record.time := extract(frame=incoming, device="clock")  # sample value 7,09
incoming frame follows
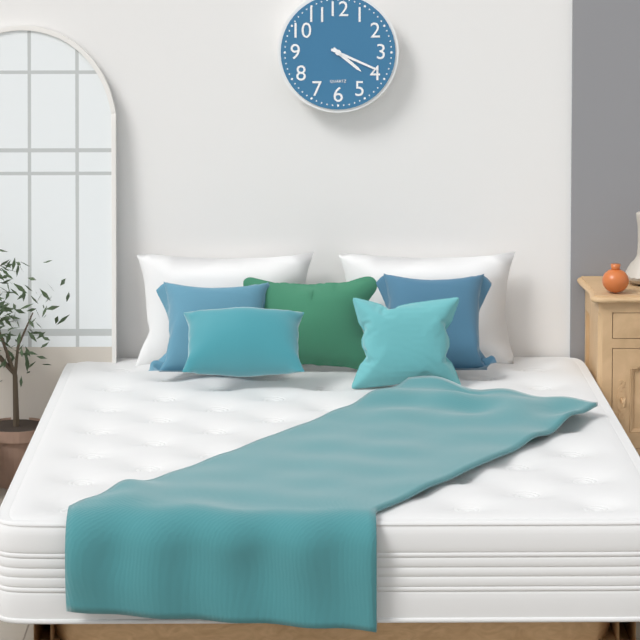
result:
4,19
